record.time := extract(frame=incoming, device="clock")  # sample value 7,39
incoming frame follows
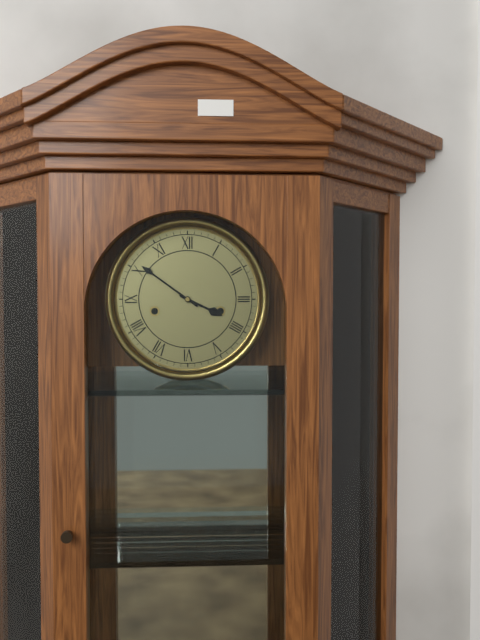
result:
3,51
